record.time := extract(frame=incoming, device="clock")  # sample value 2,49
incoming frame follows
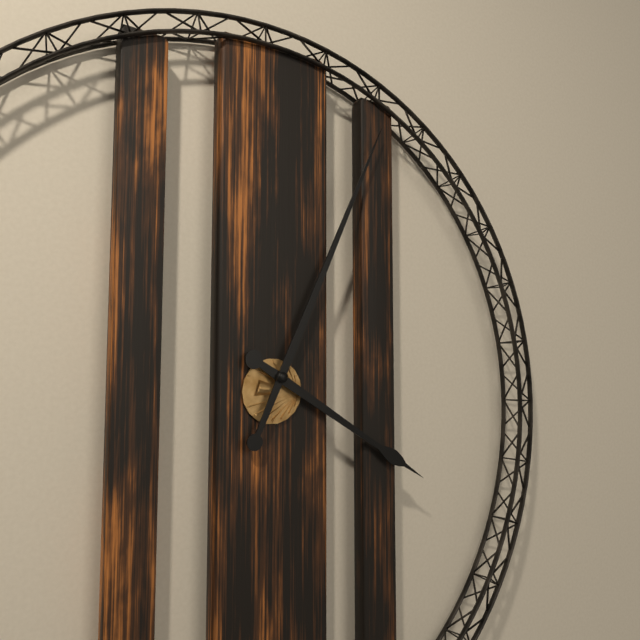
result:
4,04
